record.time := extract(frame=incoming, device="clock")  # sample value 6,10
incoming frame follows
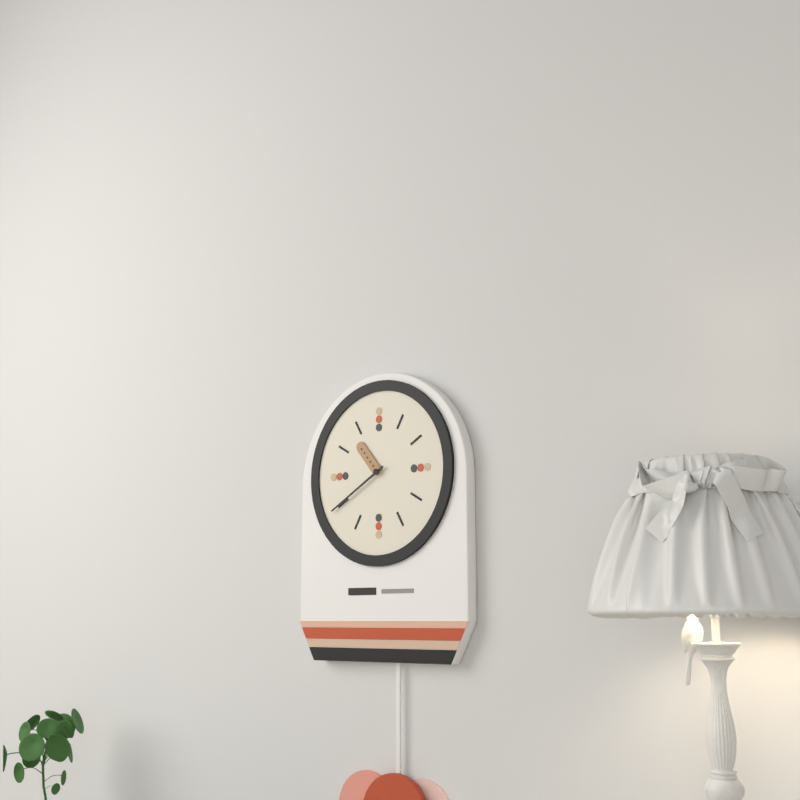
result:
10,40
